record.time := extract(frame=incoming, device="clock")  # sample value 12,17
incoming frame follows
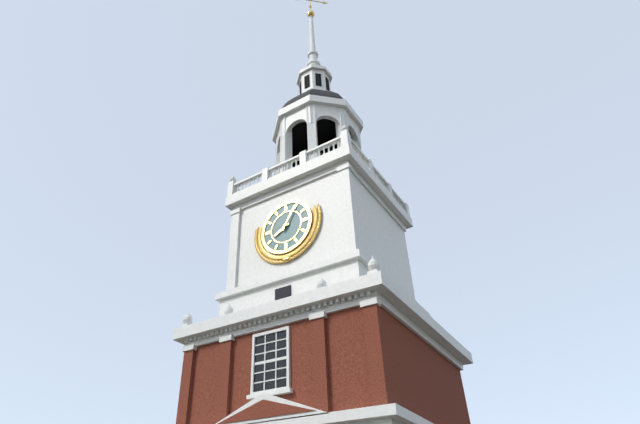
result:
8,05
